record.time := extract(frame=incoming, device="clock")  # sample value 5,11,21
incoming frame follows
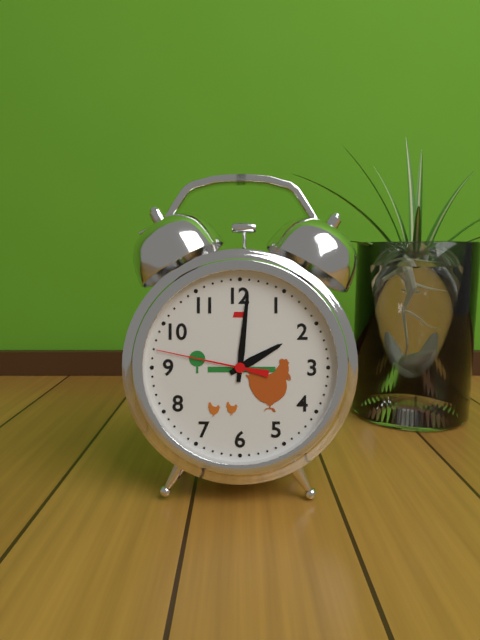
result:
2,01,47
